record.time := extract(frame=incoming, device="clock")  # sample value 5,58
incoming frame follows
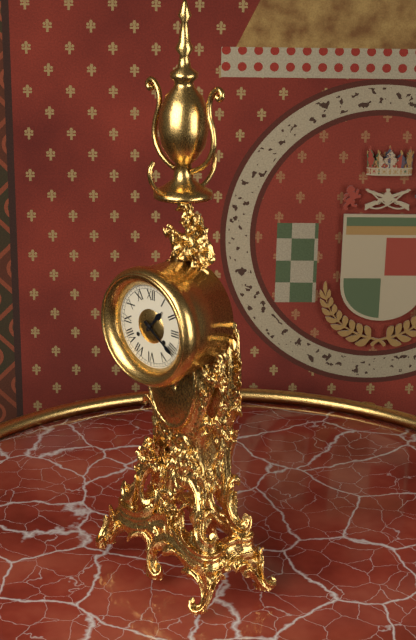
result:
1,21
